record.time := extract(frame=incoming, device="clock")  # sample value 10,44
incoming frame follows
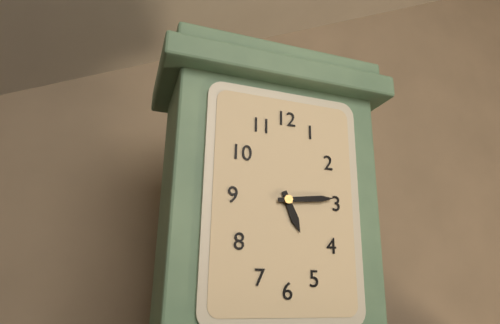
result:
5,14
